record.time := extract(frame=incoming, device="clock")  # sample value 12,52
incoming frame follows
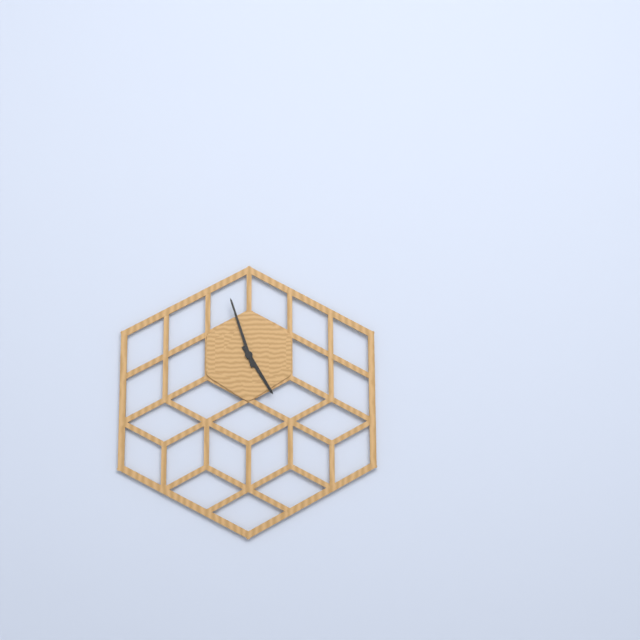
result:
4,57
